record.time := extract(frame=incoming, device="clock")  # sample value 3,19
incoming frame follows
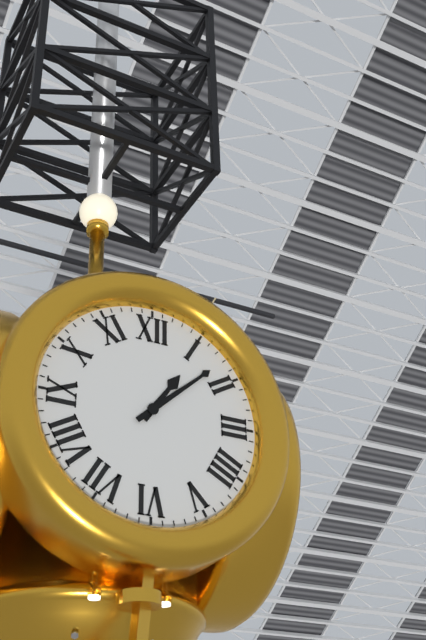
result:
1,08
